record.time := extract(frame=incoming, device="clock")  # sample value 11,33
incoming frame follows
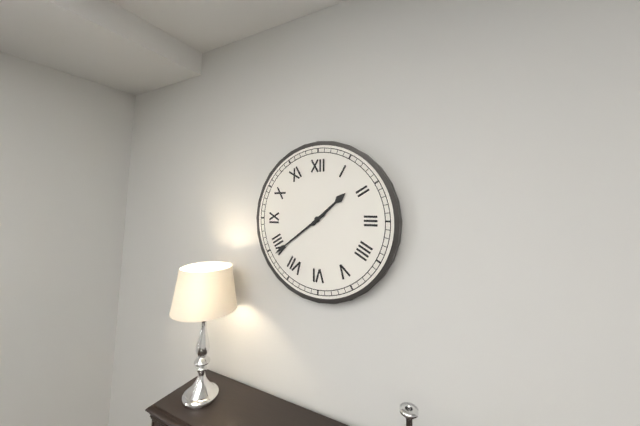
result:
1,39
